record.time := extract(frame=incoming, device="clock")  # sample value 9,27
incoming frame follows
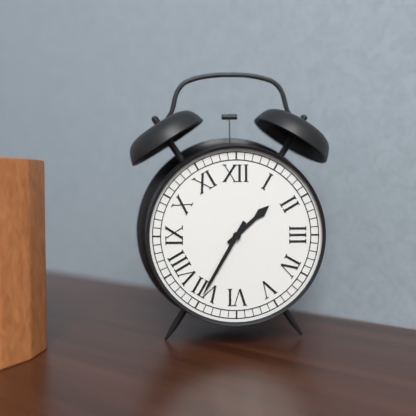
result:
1,35
